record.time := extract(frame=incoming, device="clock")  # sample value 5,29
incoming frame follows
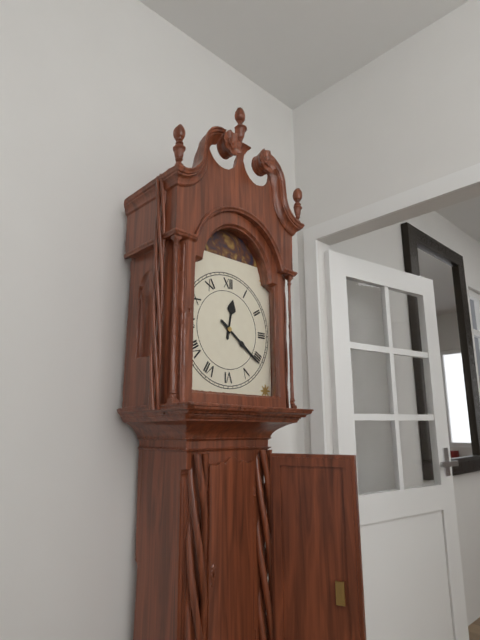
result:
12,21
